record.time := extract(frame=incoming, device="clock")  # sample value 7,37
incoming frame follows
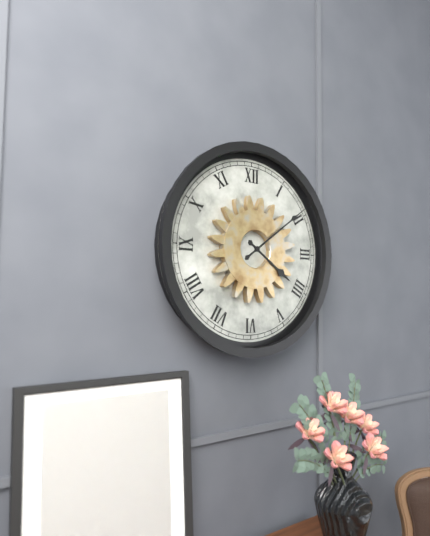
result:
4,09
